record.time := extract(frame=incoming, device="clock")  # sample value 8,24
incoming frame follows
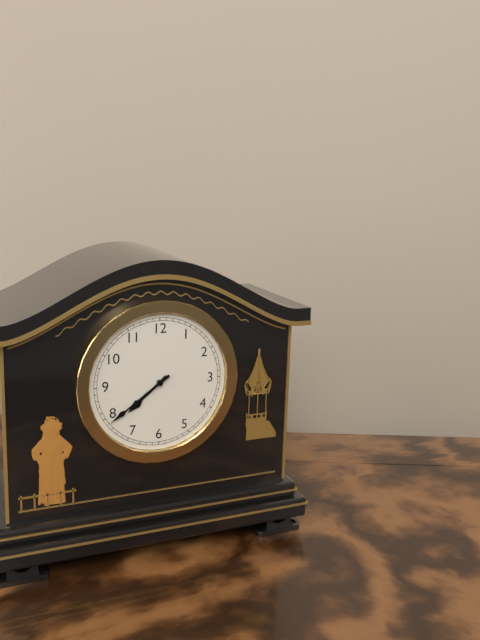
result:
7,39
